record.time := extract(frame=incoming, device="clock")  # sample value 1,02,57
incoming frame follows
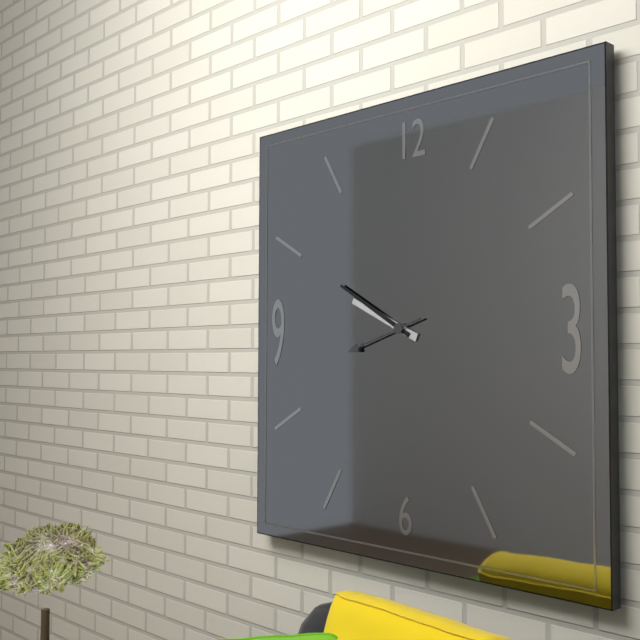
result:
9,50,42
